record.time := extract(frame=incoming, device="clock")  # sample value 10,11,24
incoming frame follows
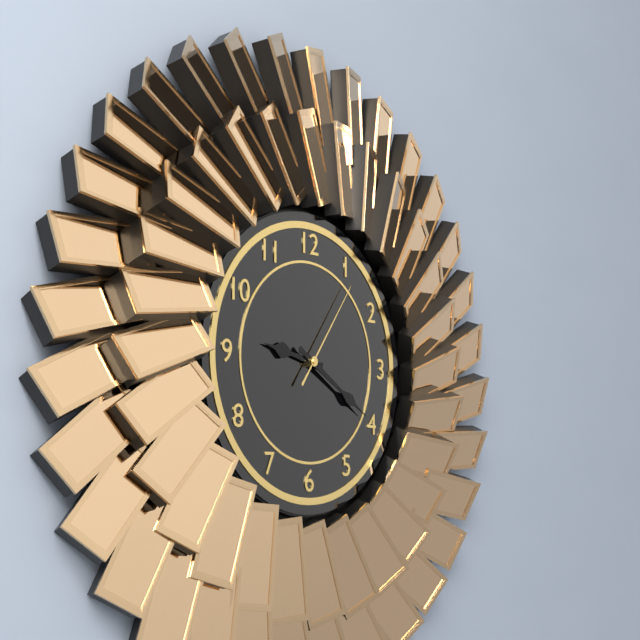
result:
9,20,06
